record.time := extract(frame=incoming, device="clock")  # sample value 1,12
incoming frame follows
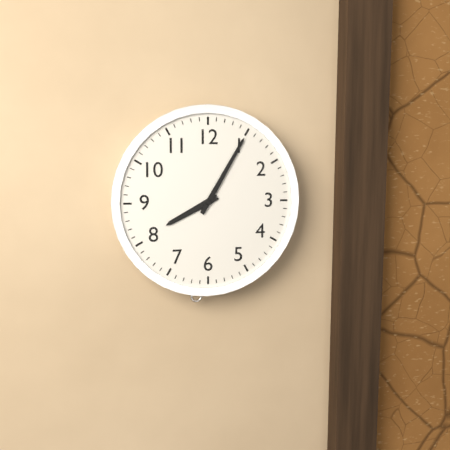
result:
8,05
